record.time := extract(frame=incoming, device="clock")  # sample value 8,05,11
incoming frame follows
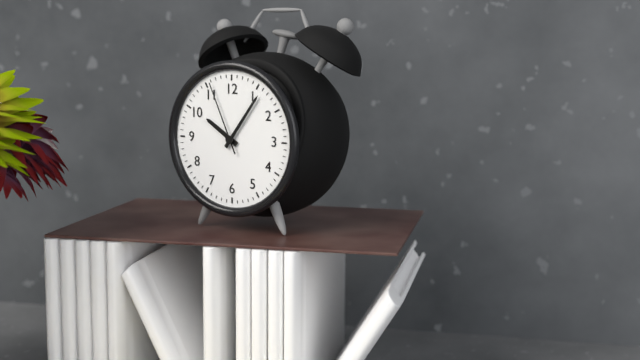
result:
10,06,56
